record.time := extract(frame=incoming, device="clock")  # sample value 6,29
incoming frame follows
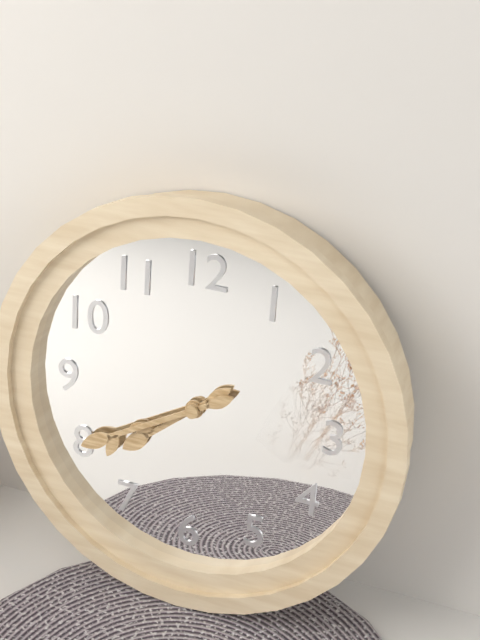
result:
7,40
